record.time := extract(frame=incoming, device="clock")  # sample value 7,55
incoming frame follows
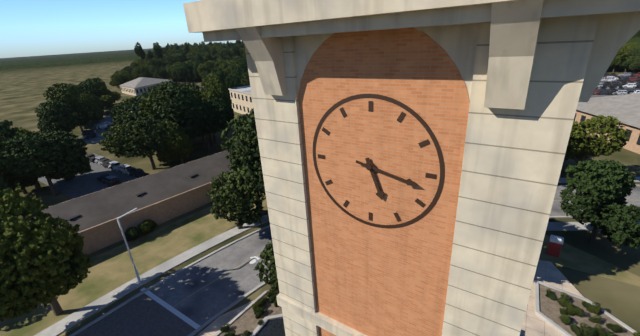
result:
5,17
